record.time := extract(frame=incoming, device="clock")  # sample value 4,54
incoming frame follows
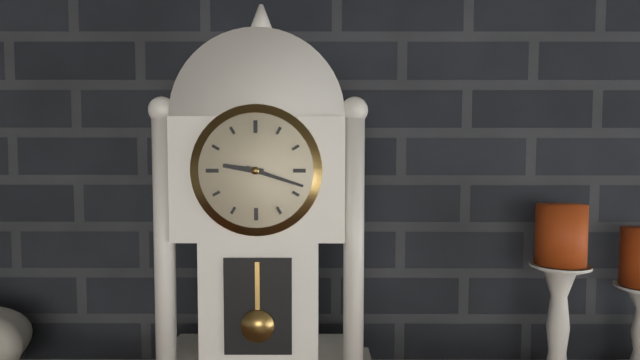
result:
9,18
